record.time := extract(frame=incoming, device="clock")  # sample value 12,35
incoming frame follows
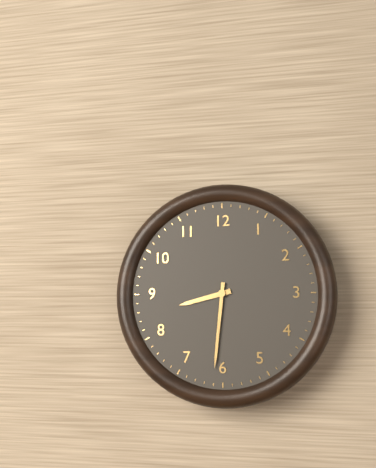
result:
8,31
